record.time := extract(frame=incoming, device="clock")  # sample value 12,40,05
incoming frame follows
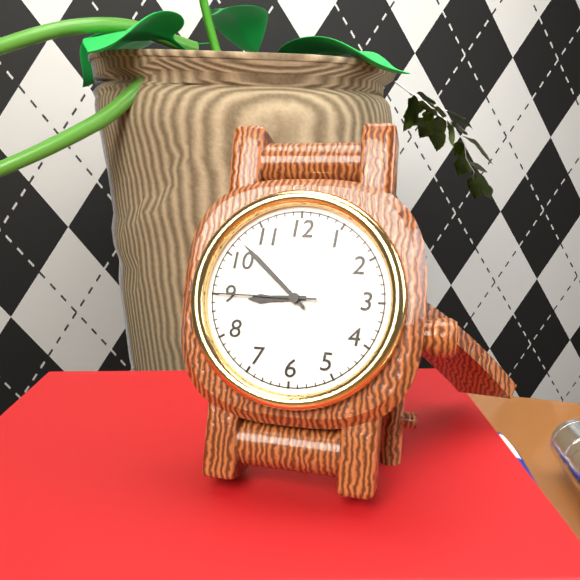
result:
8,52,45
